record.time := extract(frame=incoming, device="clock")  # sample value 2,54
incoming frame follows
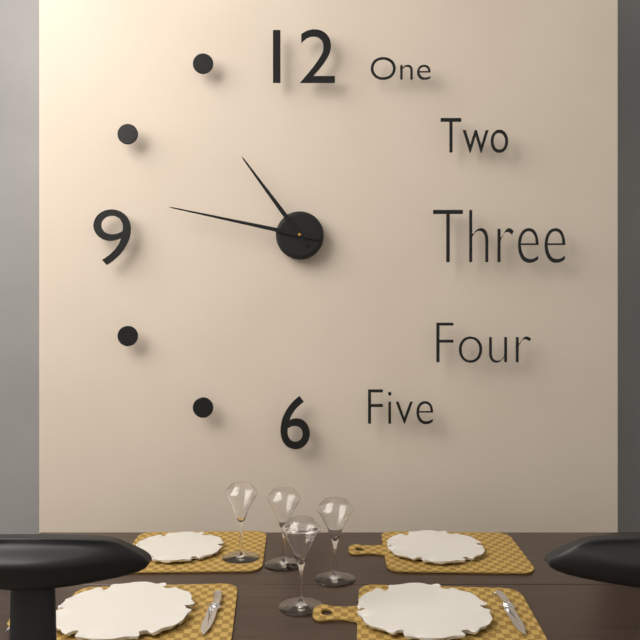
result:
10,47
